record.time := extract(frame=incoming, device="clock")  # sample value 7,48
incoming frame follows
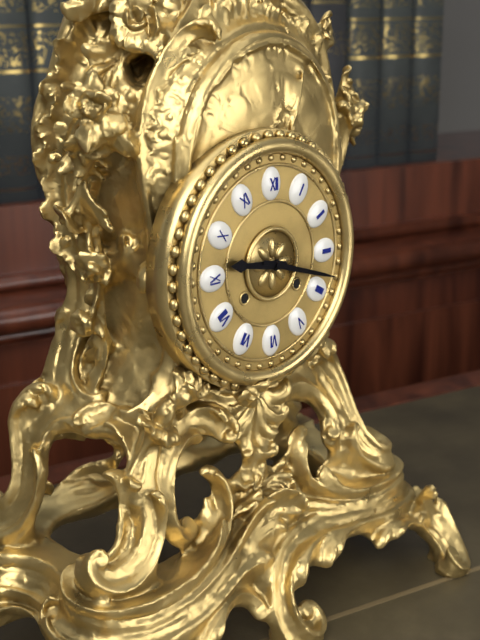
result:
9,18
